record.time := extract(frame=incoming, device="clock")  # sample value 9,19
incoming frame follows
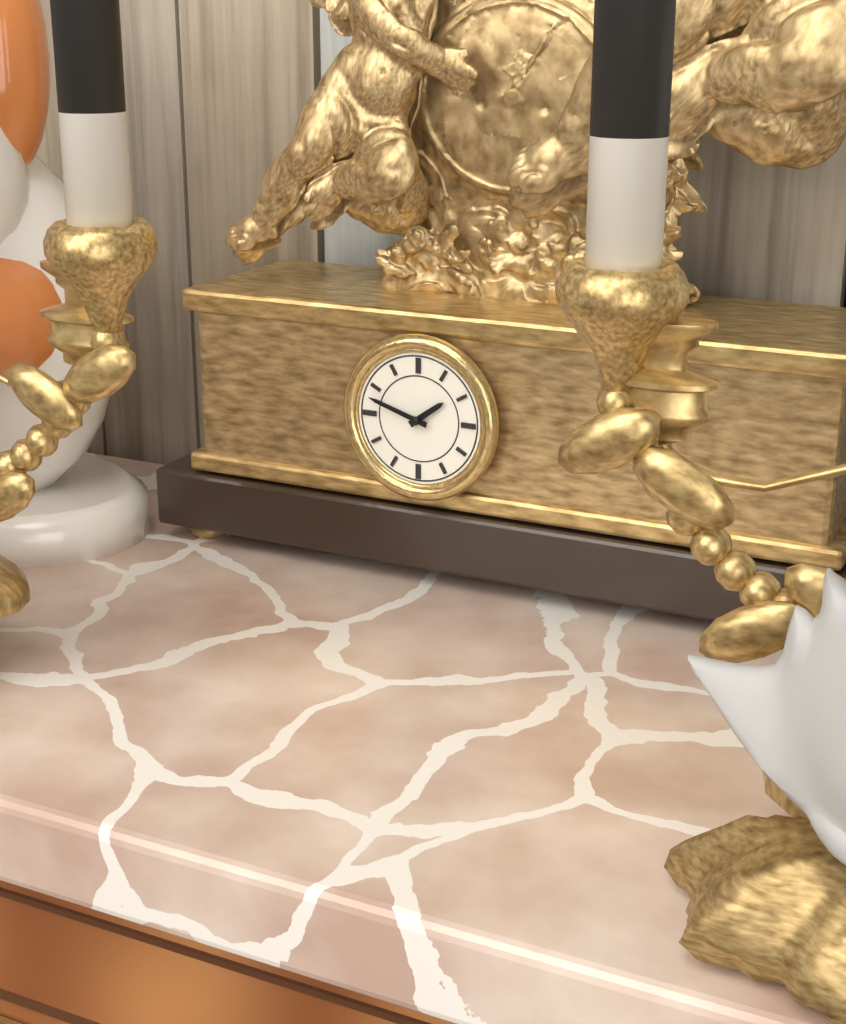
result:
1,48
